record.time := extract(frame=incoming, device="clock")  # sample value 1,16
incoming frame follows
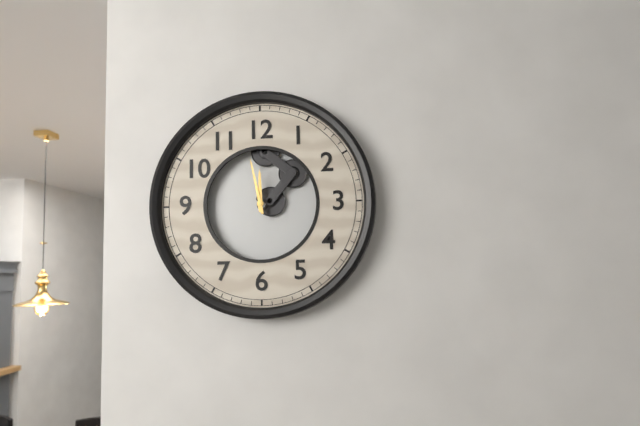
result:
11,58
